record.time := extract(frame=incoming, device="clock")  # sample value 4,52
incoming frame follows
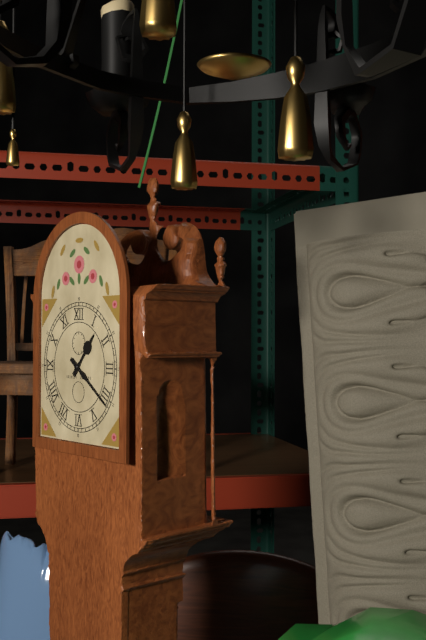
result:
1,21
